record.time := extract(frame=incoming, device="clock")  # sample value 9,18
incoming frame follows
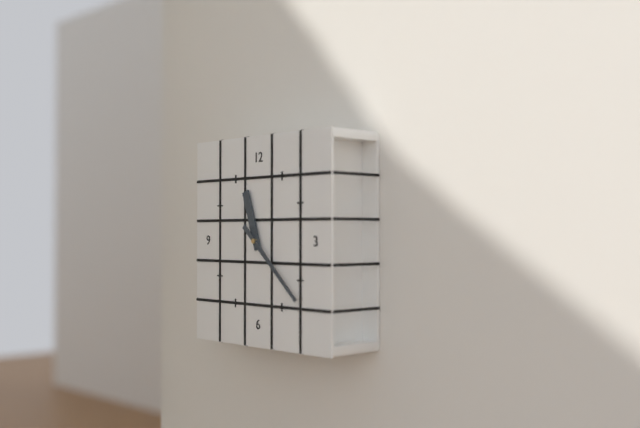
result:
11,22
